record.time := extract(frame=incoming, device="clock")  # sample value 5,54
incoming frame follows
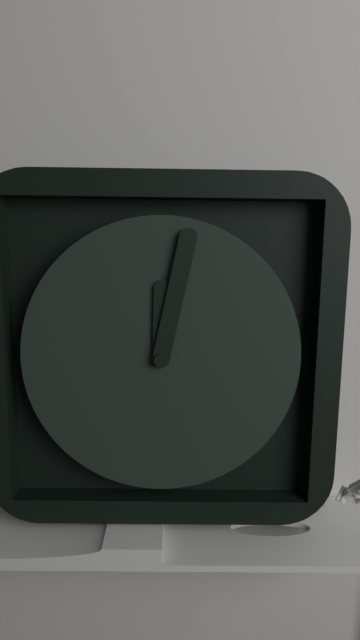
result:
12,02
